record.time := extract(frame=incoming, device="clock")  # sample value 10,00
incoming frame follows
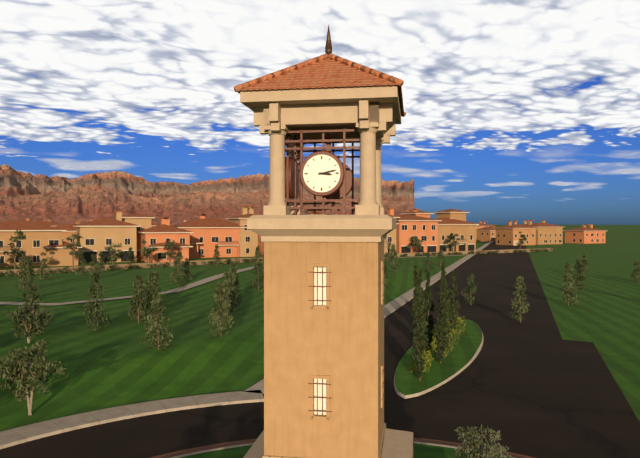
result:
3,13
